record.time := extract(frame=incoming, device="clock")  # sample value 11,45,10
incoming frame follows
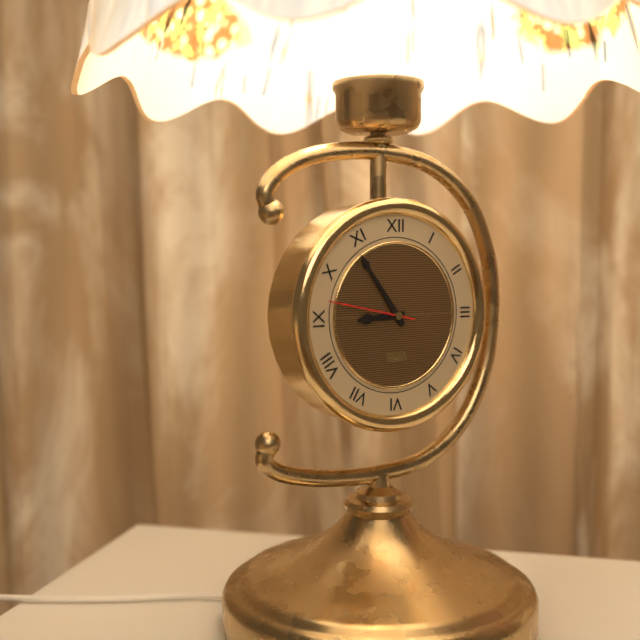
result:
8,54,47
